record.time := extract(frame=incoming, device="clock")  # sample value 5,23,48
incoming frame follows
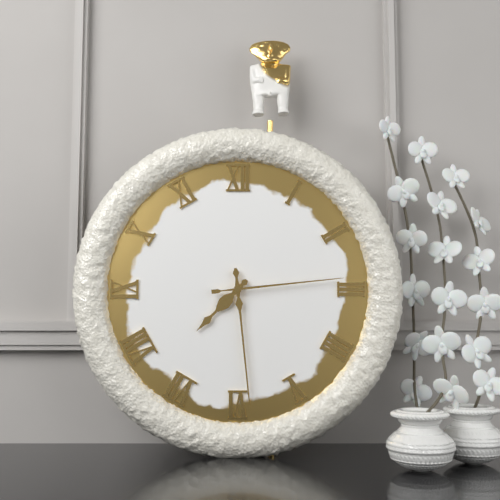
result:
7,29,14
